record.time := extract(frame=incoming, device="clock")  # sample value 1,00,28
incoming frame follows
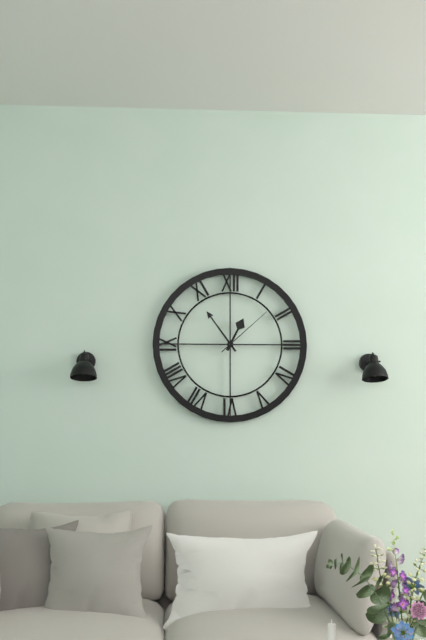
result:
12,54,08
